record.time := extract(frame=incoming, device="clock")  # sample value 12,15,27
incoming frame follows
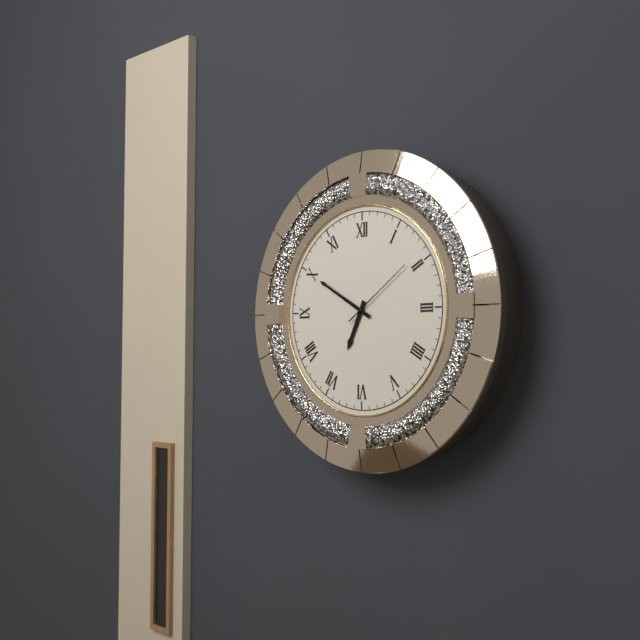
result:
6,50,09
